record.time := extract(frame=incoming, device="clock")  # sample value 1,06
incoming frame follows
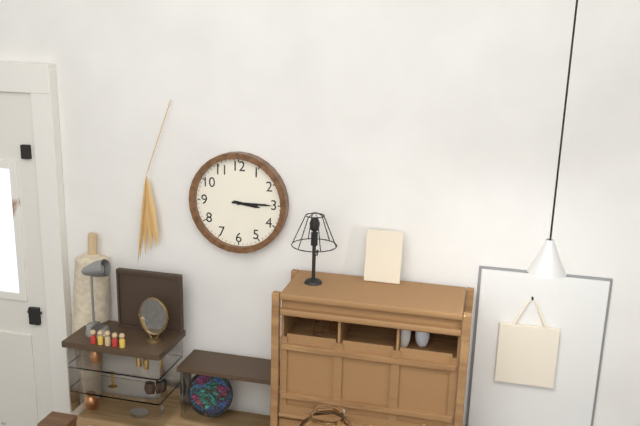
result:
3,15
